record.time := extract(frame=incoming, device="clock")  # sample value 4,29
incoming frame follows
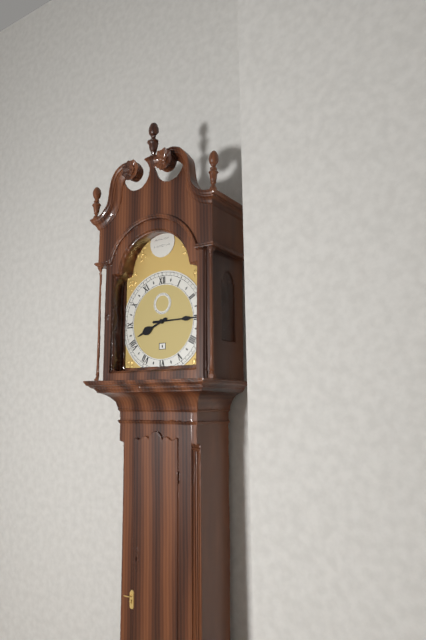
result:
8,15
